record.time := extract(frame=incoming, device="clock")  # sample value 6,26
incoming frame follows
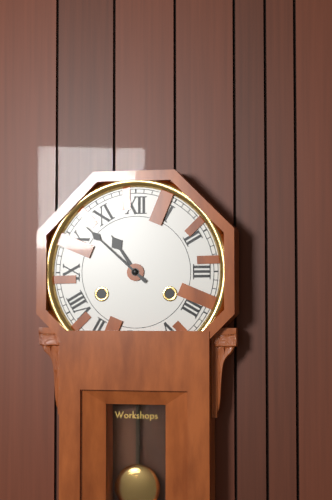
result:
10,52
